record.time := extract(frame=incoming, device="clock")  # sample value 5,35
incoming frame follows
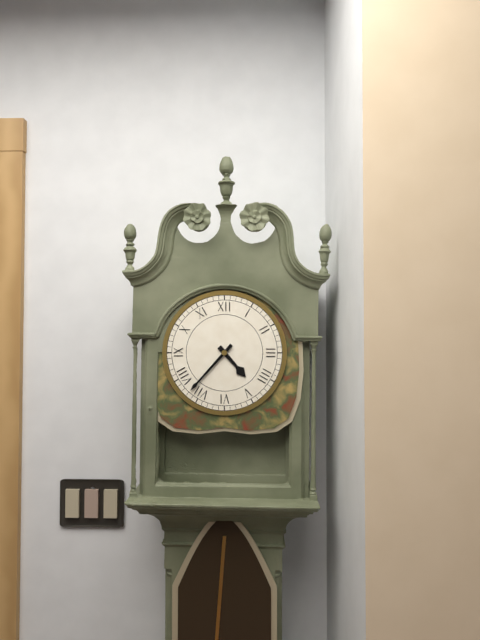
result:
4,37
